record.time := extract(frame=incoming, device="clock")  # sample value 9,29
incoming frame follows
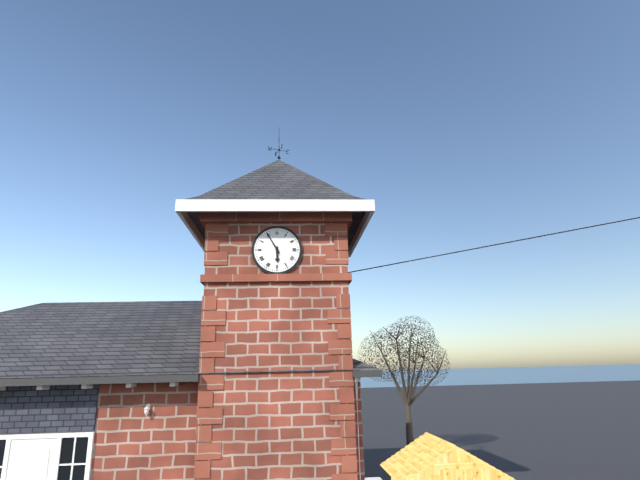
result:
5,55
